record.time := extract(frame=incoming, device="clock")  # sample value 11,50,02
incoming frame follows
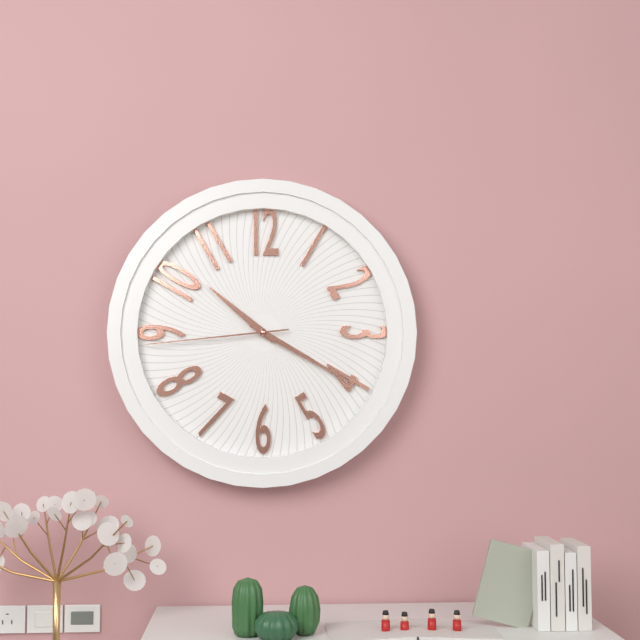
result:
10,20,44
